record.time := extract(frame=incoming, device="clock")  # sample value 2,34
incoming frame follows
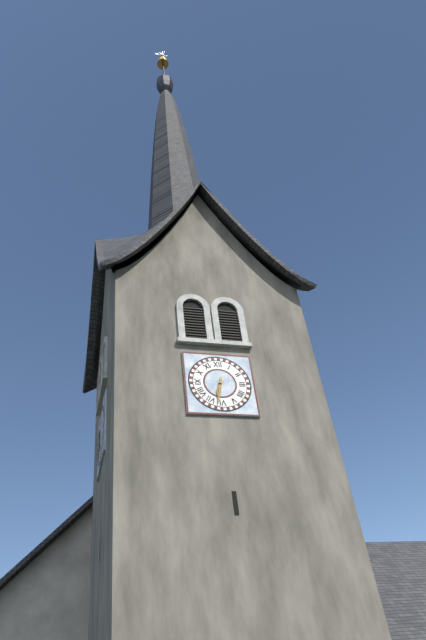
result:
6,32
